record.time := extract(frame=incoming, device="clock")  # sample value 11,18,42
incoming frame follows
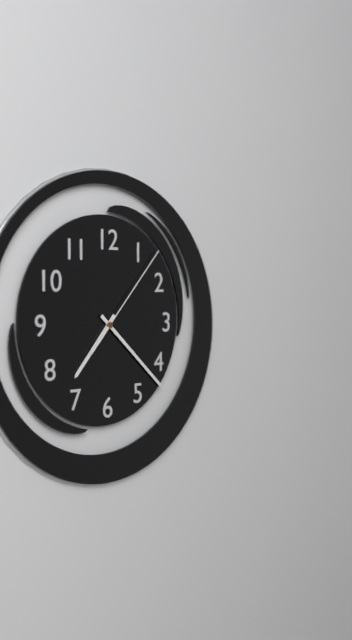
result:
7,22,07
